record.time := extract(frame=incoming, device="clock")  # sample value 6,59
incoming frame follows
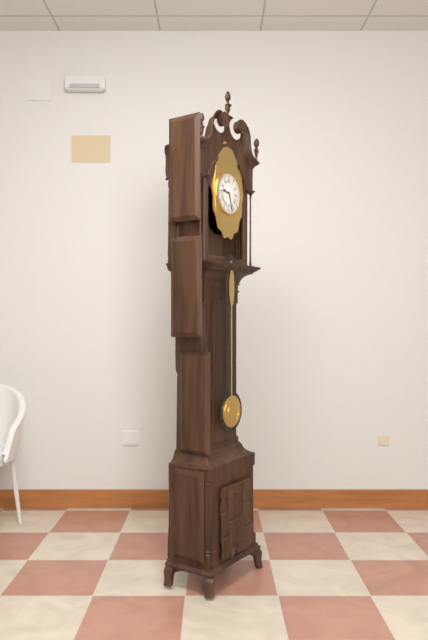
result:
9,27
